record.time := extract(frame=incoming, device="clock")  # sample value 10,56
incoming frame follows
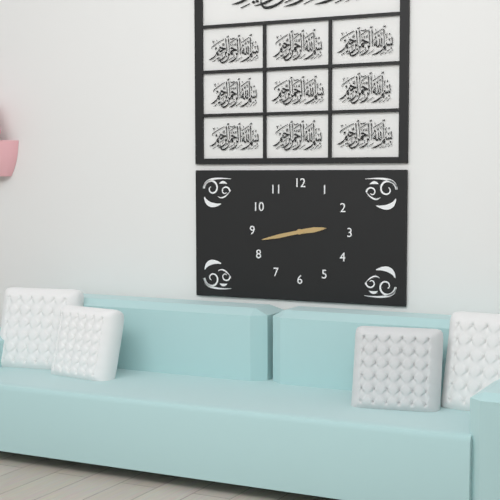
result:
2,43
